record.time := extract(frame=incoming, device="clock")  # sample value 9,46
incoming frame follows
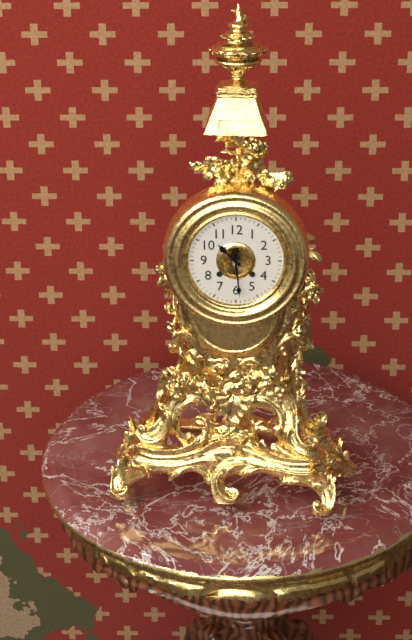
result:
10,29
